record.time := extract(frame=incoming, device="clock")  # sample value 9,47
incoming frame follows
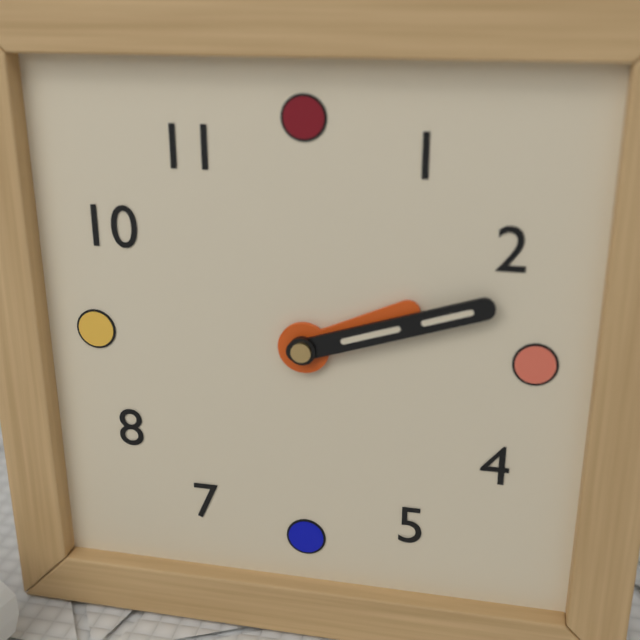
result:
2,12
